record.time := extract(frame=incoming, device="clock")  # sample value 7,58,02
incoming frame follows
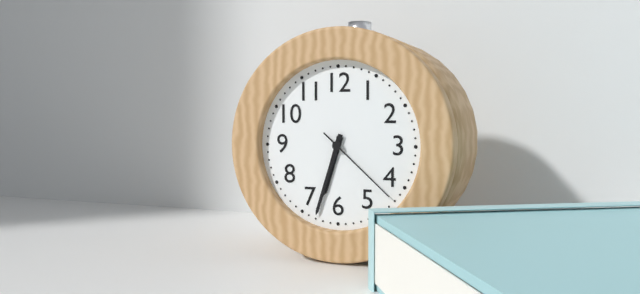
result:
6,33,22
